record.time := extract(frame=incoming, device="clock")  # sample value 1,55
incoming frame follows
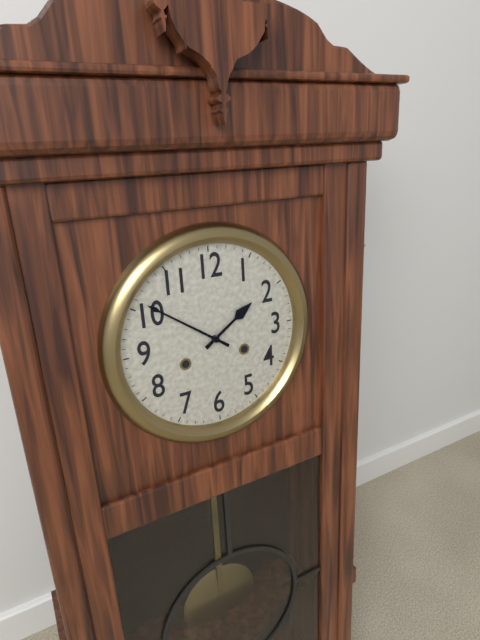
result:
1,51
